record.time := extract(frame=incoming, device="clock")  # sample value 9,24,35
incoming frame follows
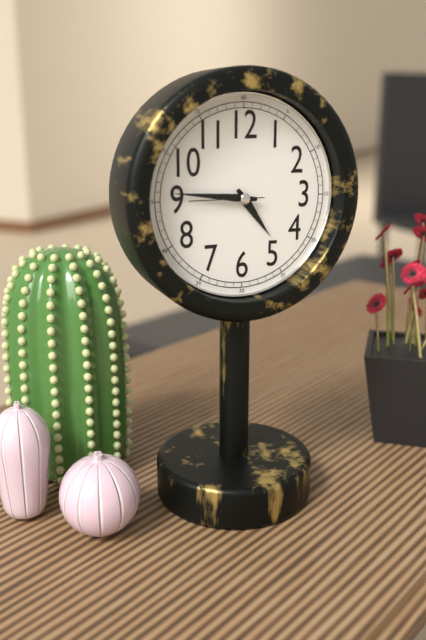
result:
4,46,45
